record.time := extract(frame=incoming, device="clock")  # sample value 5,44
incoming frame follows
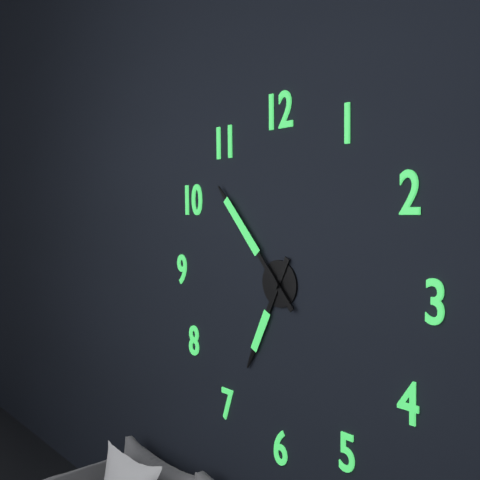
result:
6,53
